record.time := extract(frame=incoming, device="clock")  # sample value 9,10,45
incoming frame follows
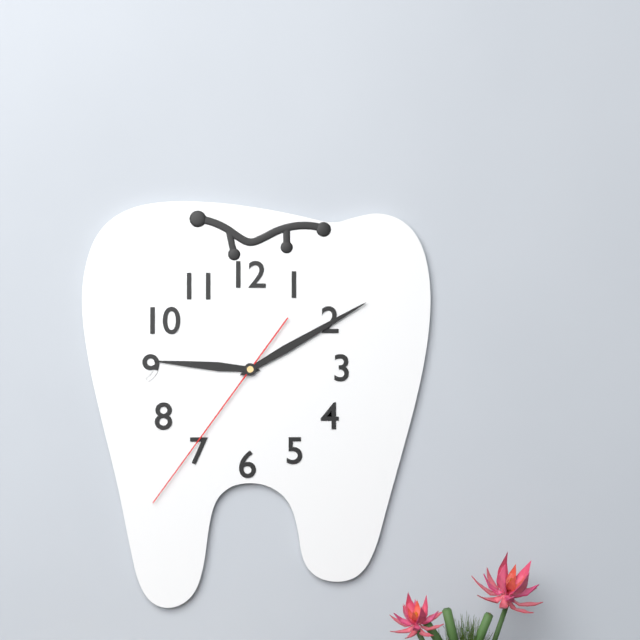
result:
9,10,36
